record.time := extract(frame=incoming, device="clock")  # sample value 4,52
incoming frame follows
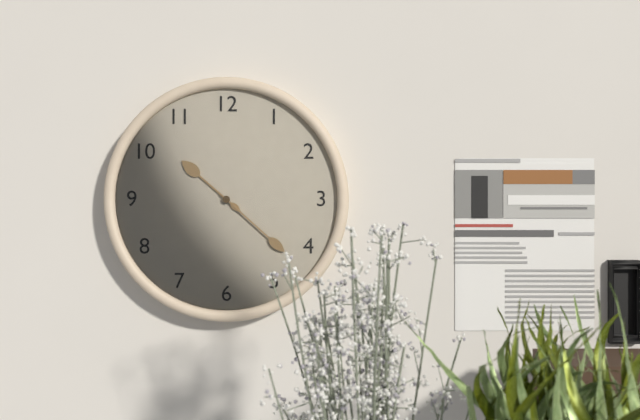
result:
10,22
